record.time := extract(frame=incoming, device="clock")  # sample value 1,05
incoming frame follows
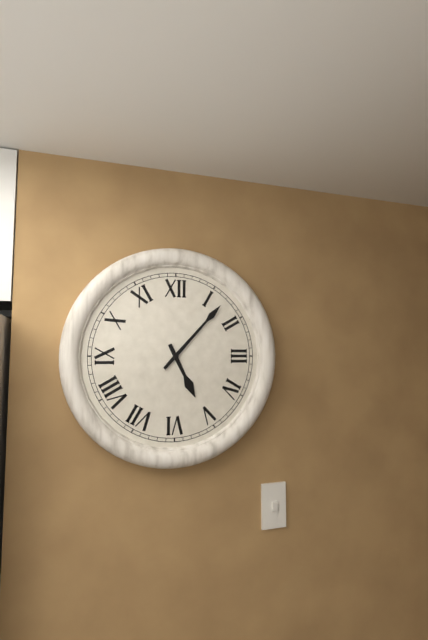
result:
5,07
